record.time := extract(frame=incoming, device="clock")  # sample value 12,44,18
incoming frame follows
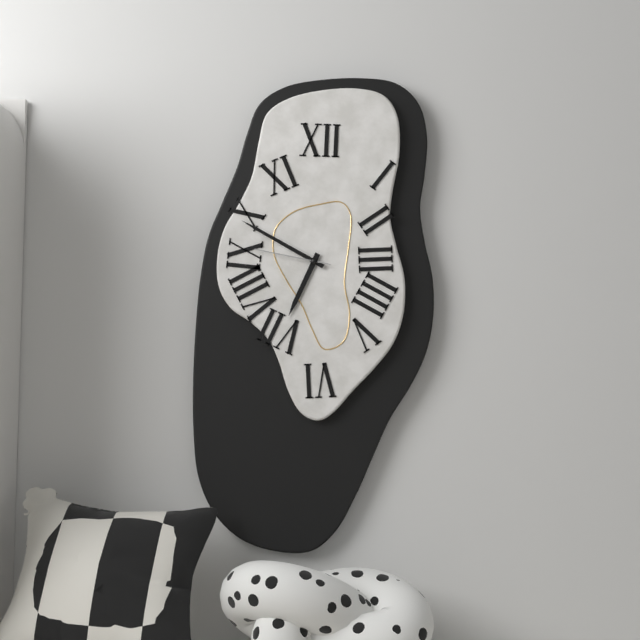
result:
6,50,47
